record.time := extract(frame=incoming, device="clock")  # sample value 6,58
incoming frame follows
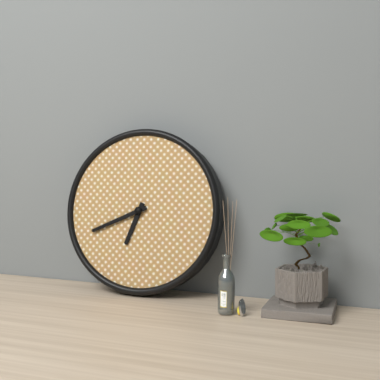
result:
6,41
